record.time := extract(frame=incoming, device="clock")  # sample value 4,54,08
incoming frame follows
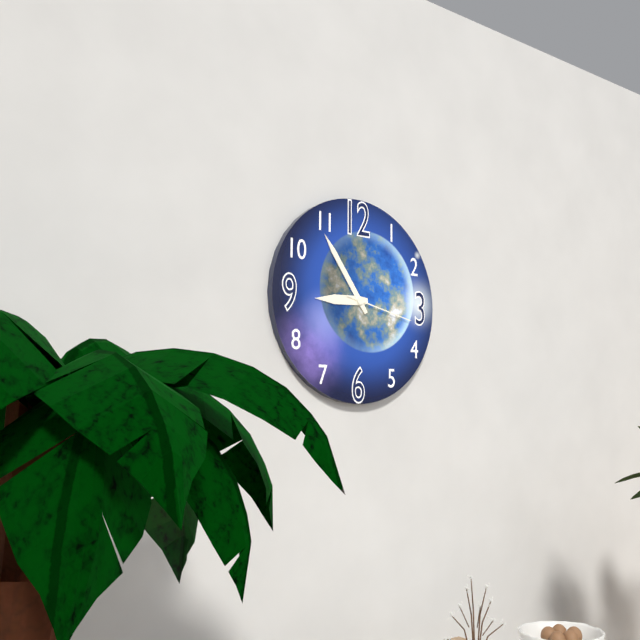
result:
8,54,17
